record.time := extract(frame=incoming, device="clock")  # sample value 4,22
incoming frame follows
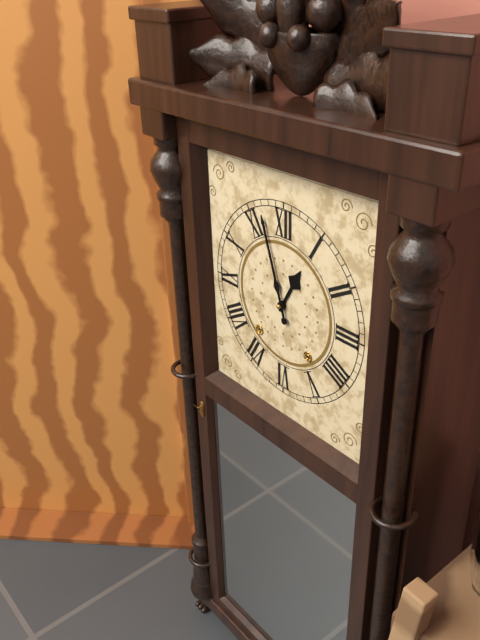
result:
12,57
